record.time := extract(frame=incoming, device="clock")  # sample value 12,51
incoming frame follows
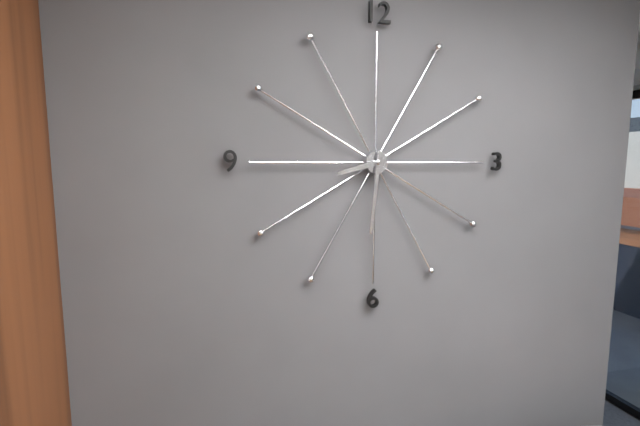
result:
8,31
